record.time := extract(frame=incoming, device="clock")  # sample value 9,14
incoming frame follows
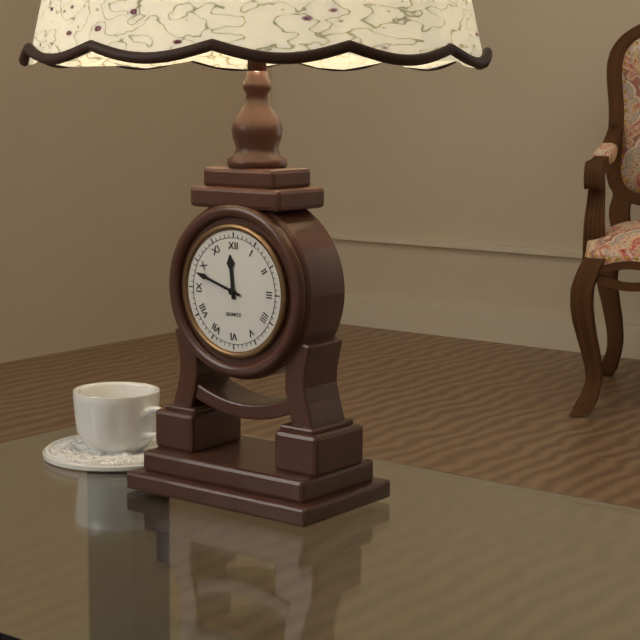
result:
11,48
